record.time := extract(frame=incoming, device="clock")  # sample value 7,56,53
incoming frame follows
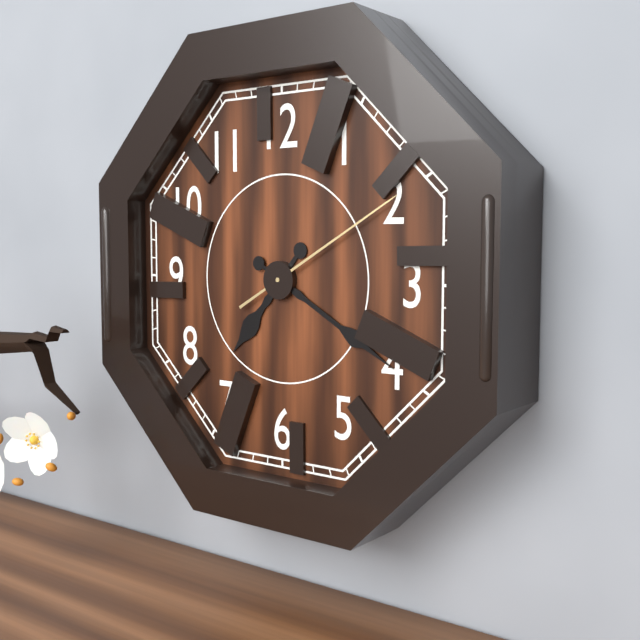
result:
7,20,10
